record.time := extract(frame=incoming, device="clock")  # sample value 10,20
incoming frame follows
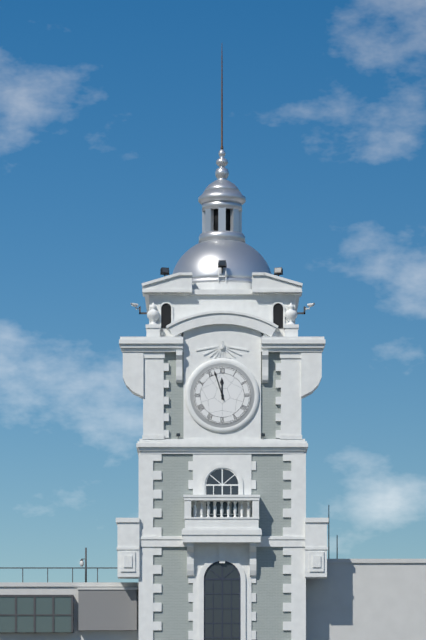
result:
11,57
